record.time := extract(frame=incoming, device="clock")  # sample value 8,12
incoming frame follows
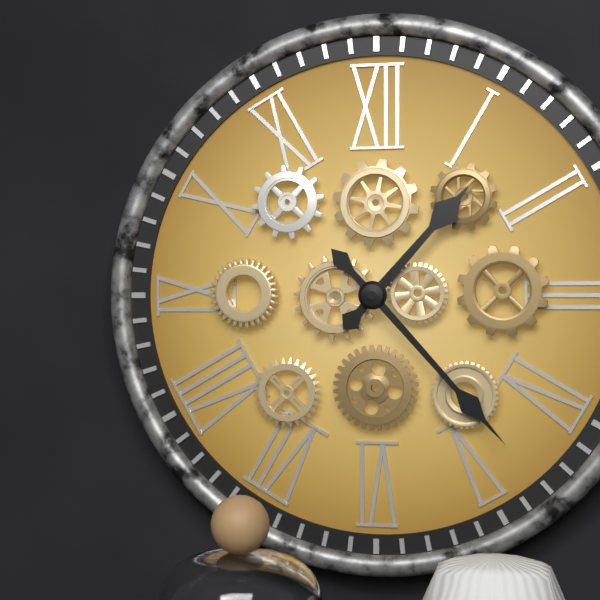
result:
1,23
